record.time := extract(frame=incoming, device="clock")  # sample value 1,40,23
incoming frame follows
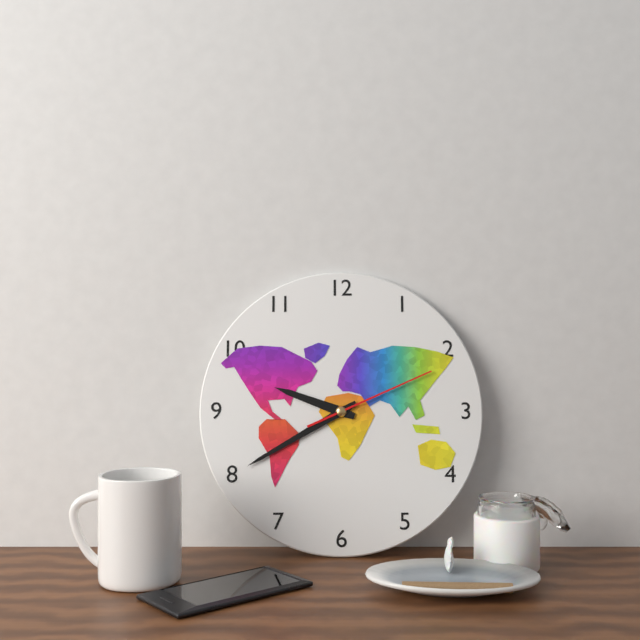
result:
9,40,11
